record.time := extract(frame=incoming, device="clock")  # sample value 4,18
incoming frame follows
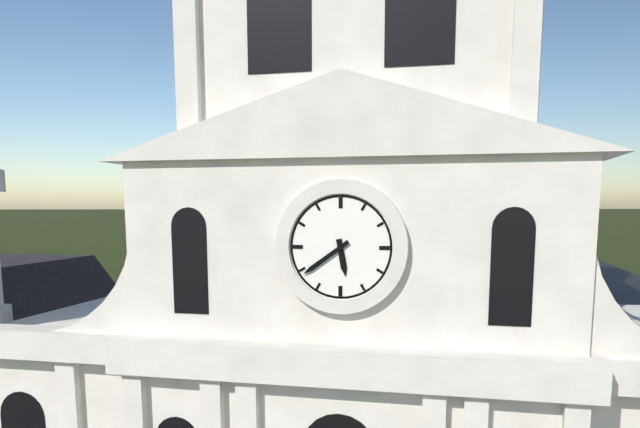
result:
5,39
